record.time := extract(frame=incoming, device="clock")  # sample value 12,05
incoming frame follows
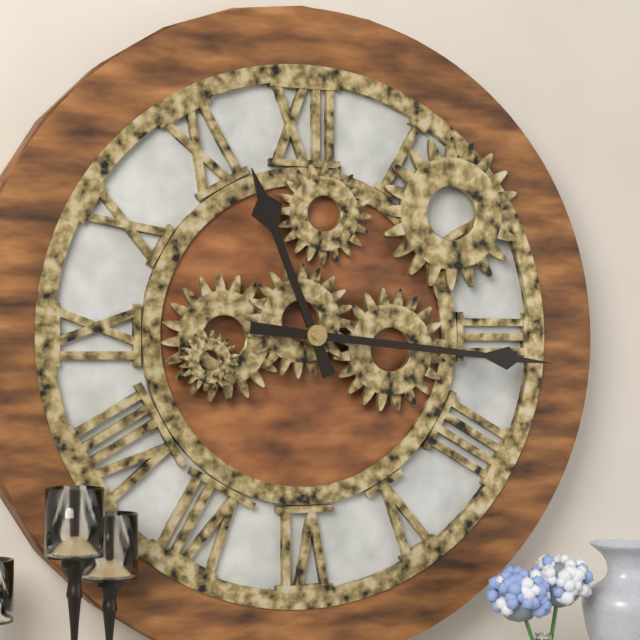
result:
11,16
